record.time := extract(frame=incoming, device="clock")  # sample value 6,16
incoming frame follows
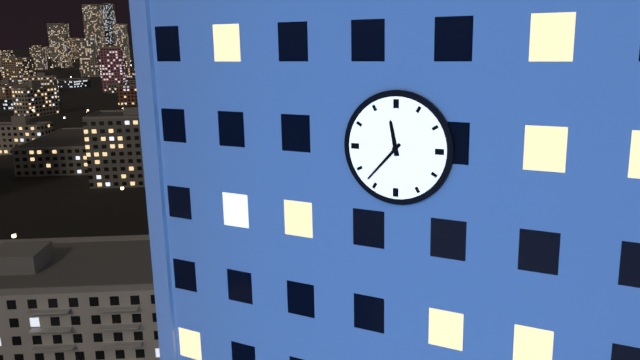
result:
11,37
